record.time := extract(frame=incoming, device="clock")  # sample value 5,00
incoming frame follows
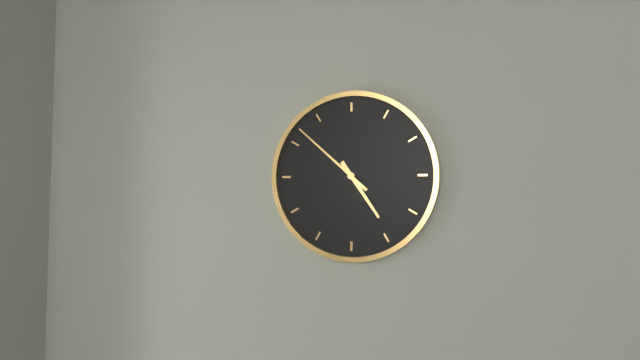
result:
4,52
